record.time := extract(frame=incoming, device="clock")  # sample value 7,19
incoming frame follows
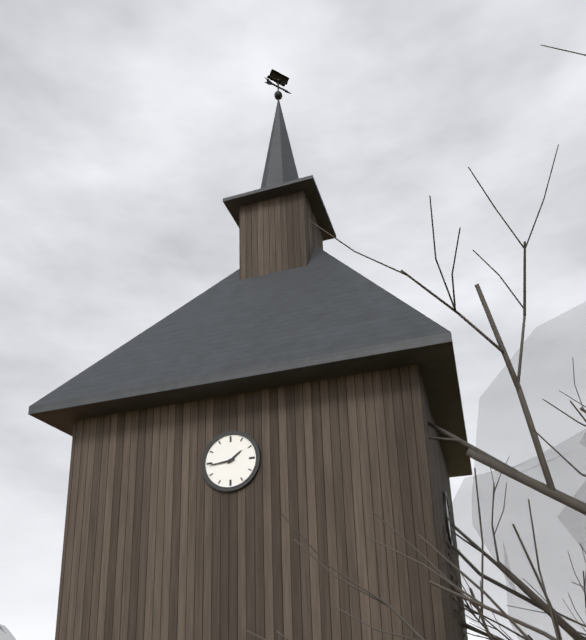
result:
1,44
